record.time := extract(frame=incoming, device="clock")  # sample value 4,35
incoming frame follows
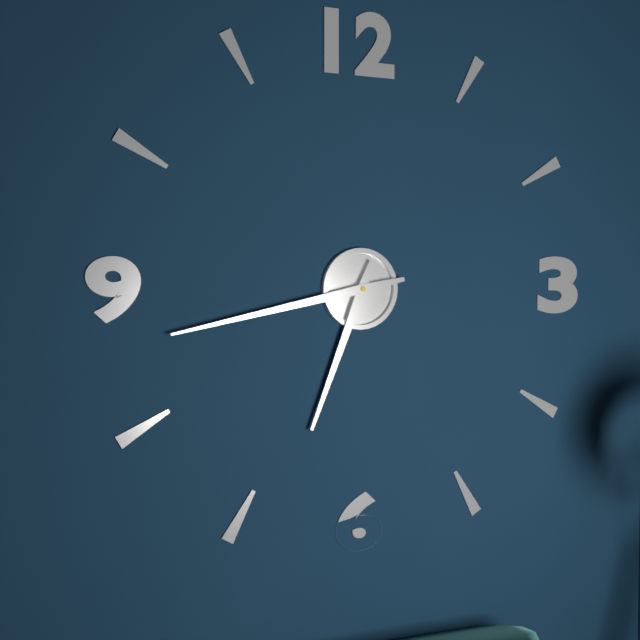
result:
6,43
